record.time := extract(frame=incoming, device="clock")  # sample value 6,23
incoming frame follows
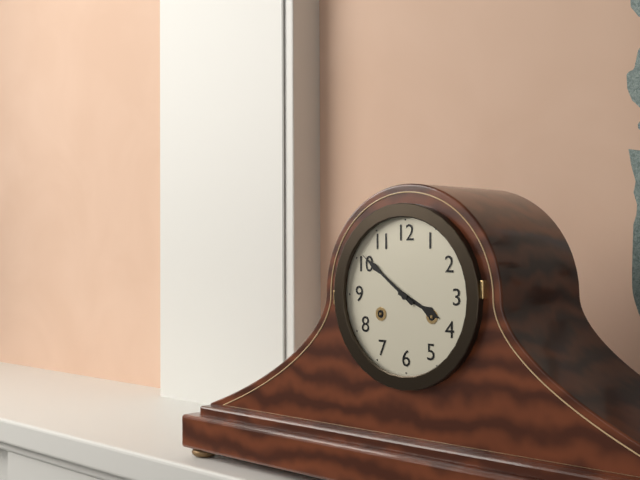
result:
3,51
